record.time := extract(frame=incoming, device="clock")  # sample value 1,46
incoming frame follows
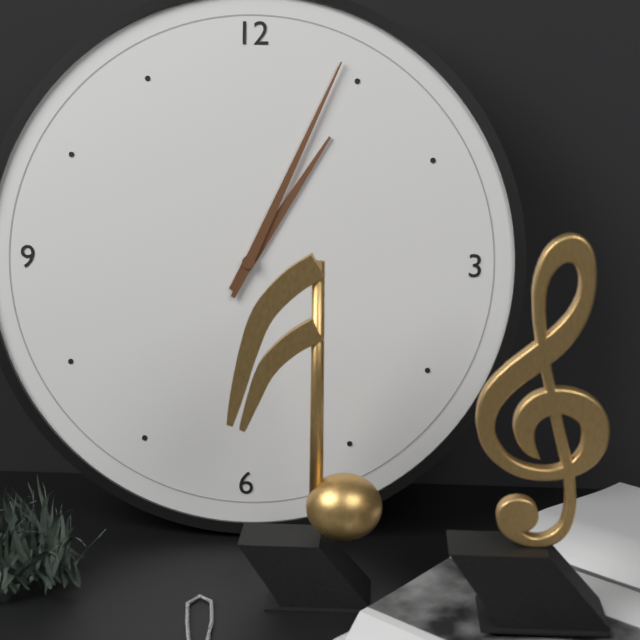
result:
1,04
